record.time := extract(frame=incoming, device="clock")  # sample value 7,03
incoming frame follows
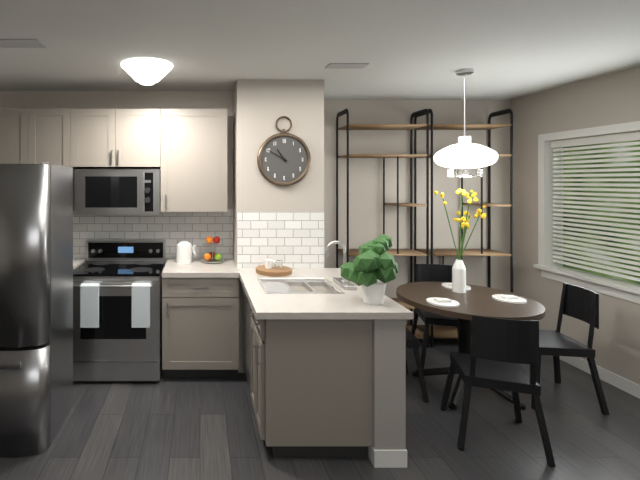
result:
10,50
